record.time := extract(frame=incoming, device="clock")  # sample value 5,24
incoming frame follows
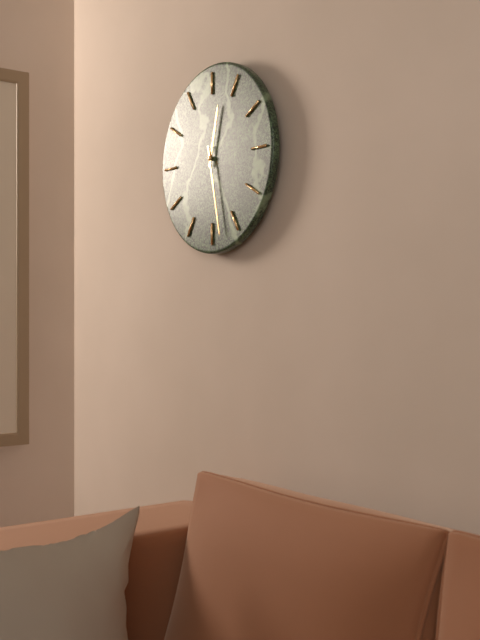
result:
12,28
